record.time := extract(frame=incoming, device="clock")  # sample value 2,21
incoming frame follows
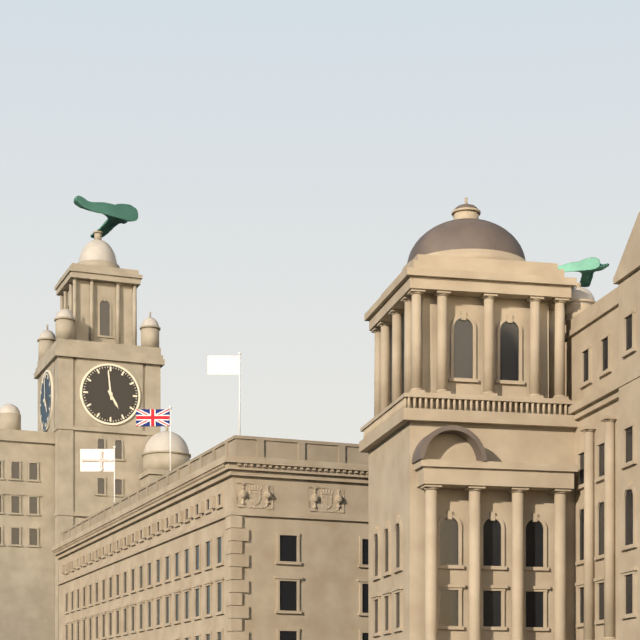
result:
4,59
